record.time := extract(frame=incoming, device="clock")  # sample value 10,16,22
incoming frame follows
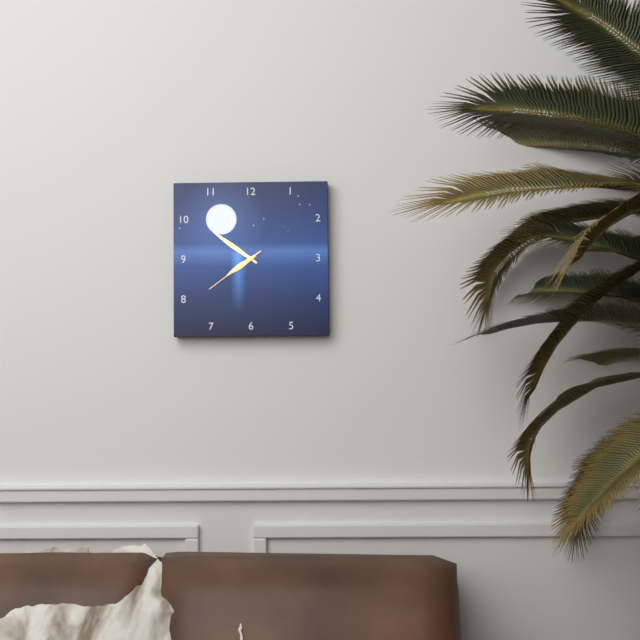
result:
7,51,39
